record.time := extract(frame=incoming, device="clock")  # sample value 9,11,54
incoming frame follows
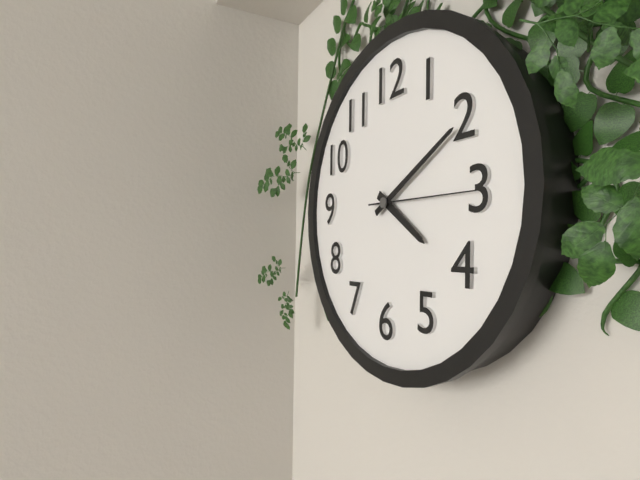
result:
4,10,15
